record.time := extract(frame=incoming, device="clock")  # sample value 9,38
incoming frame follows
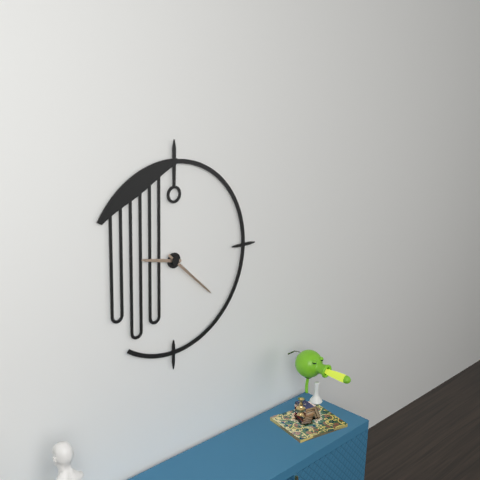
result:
9,22
